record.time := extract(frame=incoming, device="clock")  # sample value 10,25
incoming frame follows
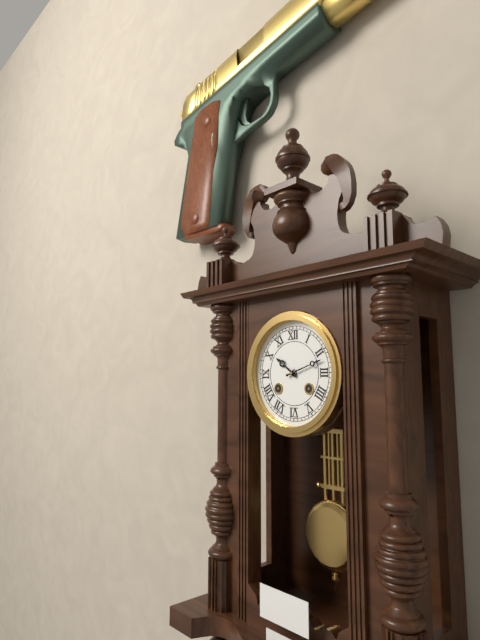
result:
10,12
